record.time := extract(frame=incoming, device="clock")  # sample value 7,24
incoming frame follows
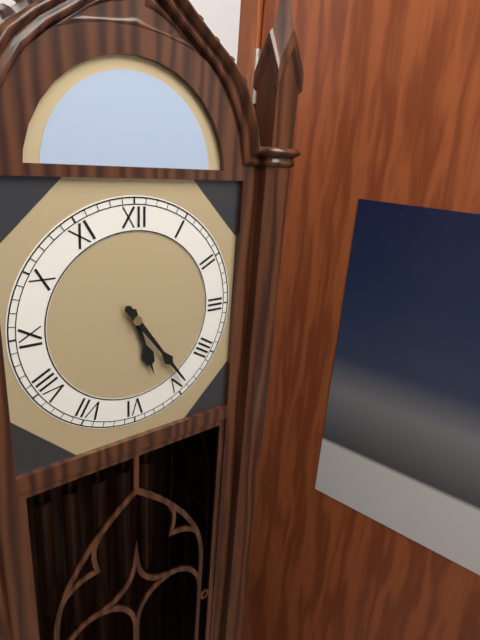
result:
5,24
